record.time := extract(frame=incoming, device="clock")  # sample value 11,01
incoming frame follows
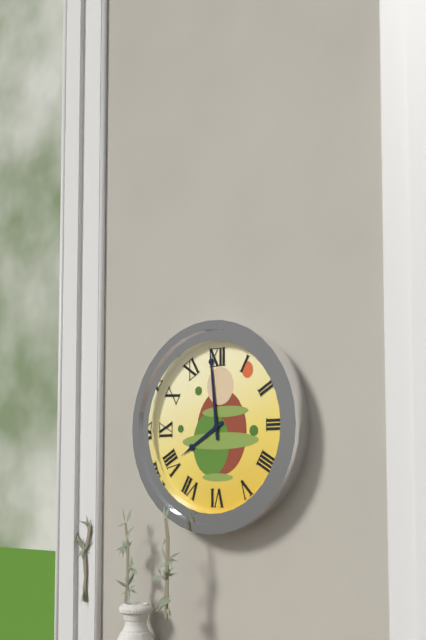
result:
7,59
